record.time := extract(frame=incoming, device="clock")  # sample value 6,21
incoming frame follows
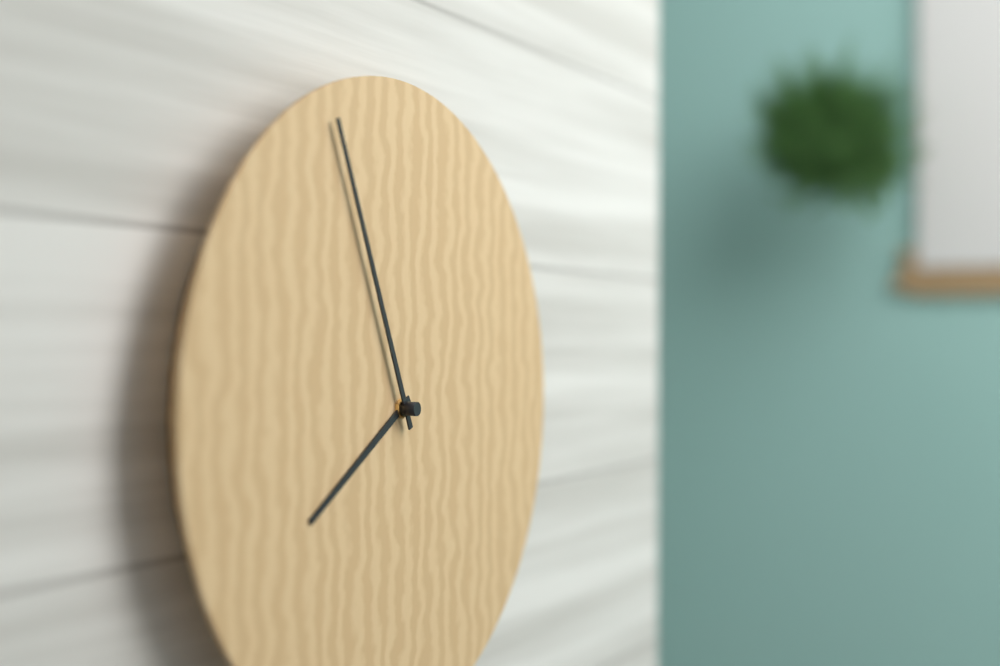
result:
7,56
